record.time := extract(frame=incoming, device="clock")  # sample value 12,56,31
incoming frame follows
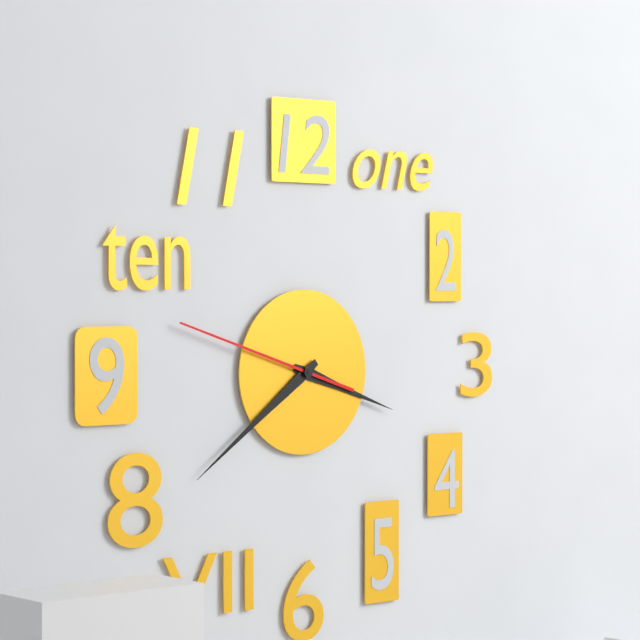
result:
3,39,48
